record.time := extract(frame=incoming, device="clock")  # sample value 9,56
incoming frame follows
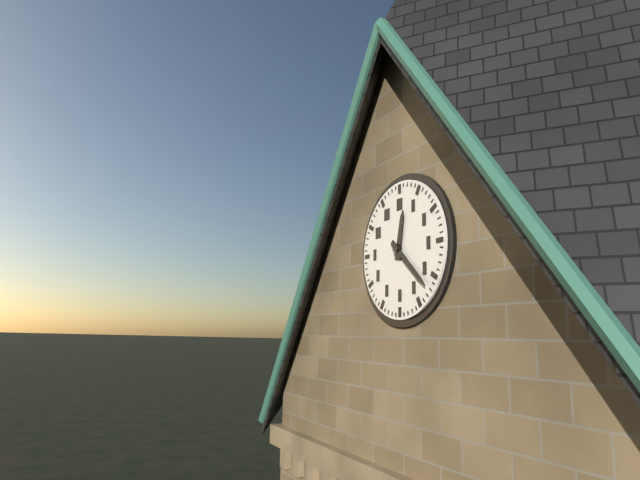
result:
12,22
